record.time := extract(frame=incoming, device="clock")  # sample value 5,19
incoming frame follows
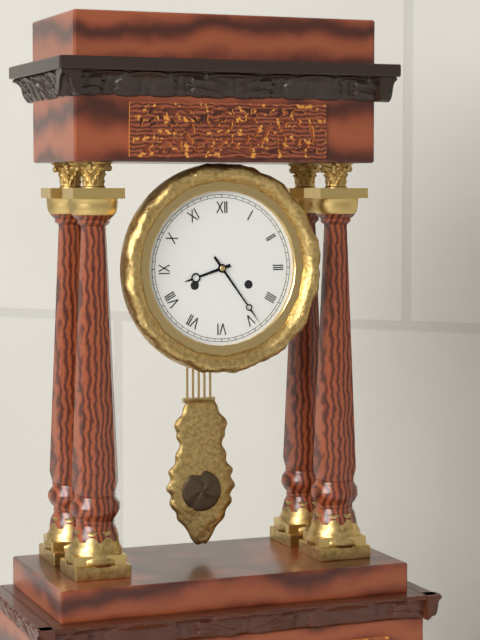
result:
8,24
